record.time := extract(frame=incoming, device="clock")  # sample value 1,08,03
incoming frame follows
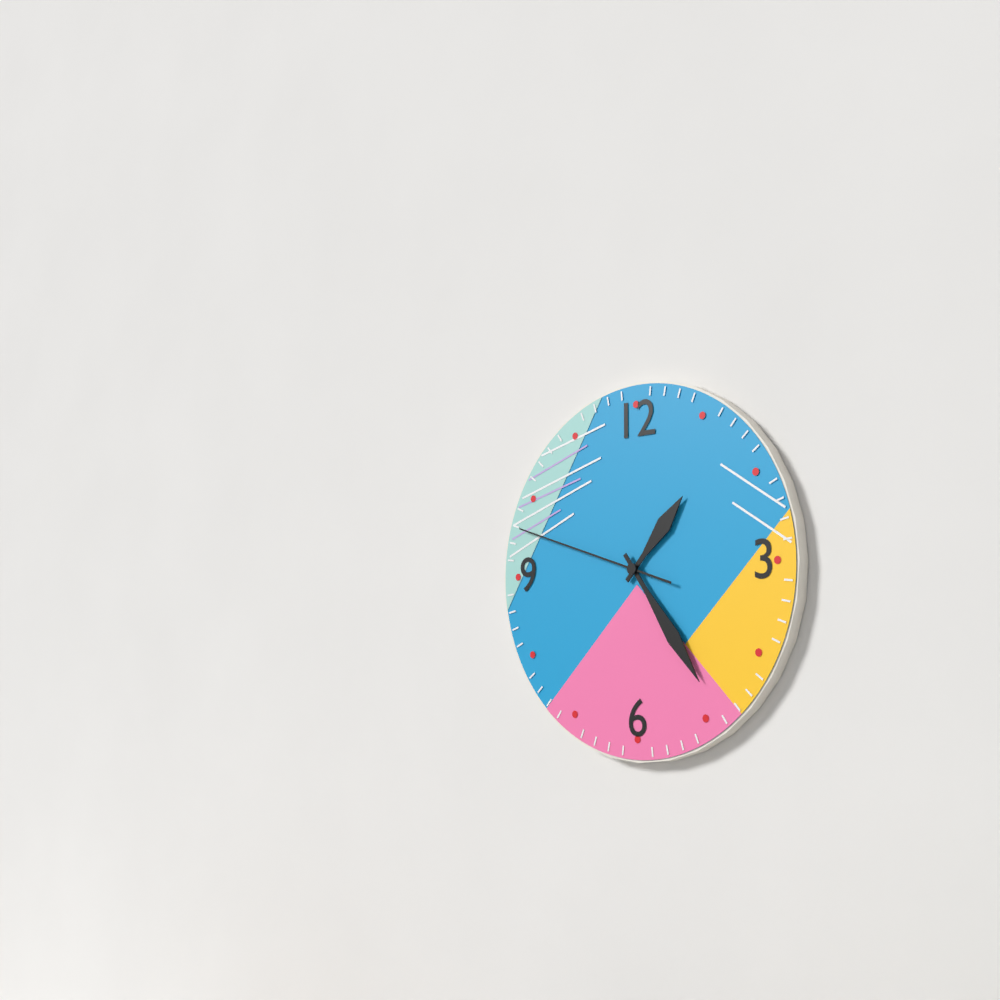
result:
1,24,48
